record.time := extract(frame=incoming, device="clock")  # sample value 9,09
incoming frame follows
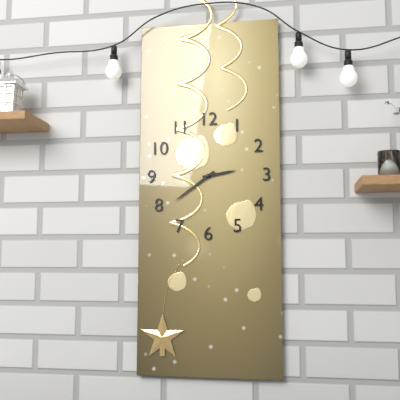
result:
2,39
